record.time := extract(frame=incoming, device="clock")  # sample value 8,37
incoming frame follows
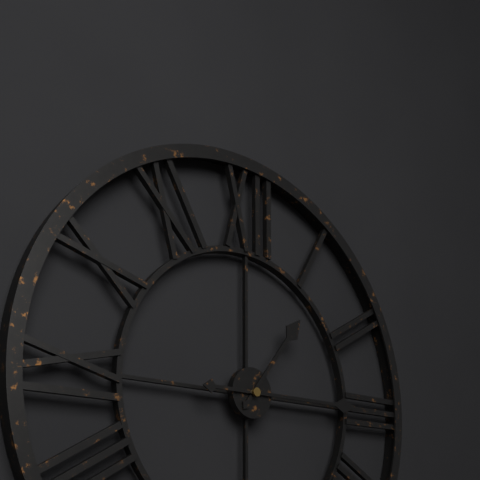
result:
1,15
